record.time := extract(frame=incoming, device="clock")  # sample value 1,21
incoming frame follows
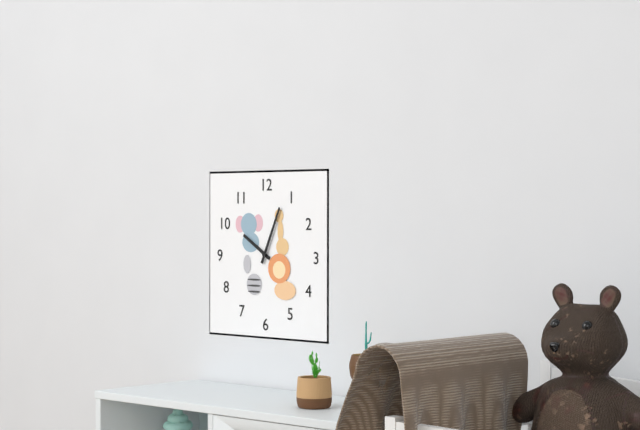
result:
10,04
